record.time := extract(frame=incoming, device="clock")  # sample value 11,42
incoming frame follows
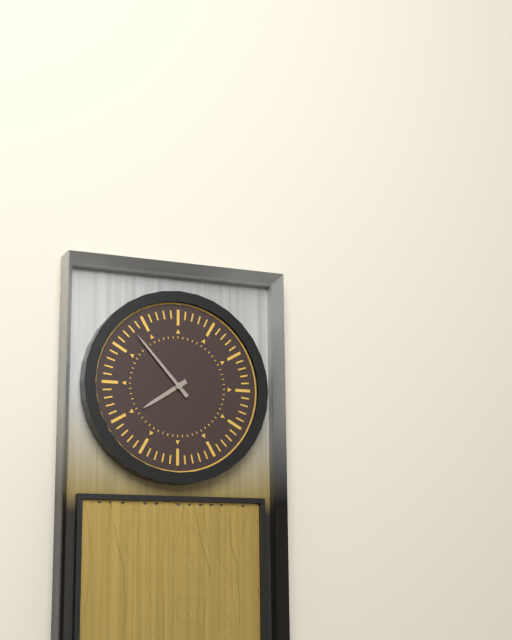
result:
7,53
